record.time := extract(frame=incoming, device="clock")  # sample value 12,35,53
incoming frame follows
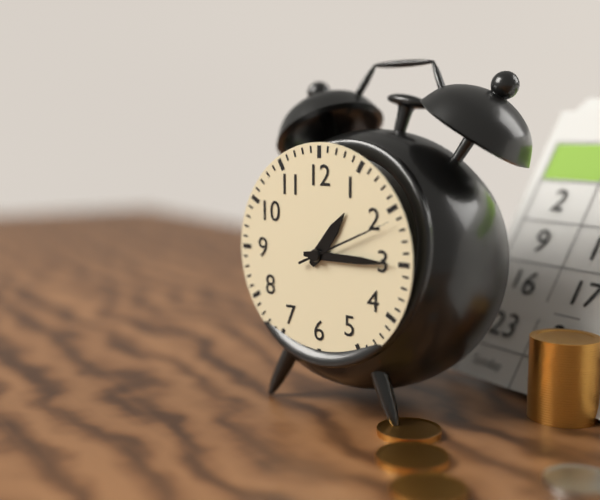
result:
1,15,11
